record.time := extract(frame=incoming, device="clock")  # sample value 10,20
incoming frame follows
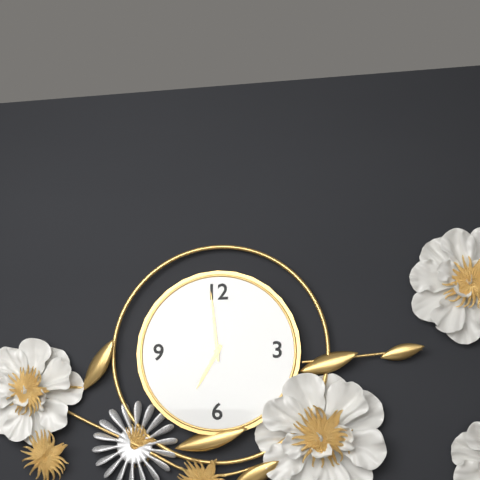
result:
6,59
